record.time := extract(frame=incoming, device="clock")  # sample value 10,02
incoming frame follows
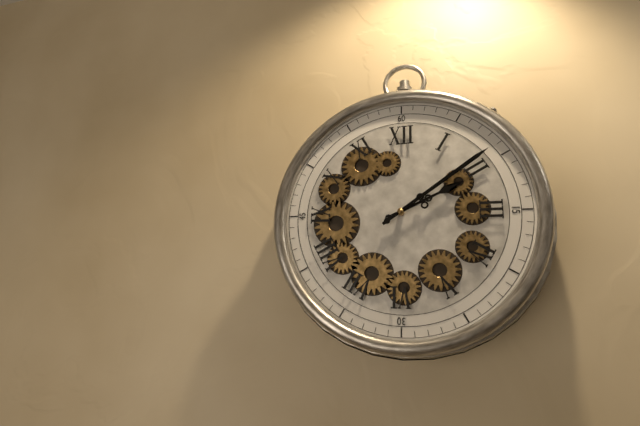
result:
2,09
